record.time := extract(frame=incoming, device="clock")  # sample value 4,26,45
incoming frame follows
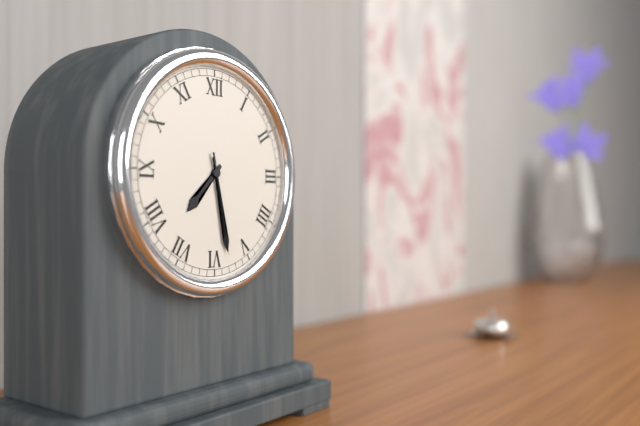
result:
7,28,28
